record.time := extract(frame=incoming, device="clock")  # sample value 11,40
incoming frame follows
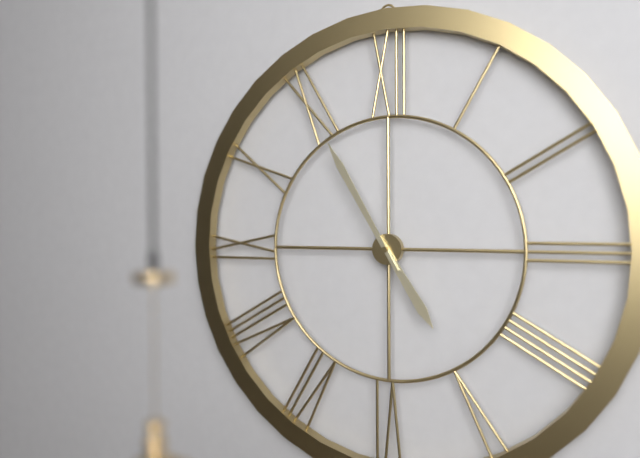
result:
4,55
